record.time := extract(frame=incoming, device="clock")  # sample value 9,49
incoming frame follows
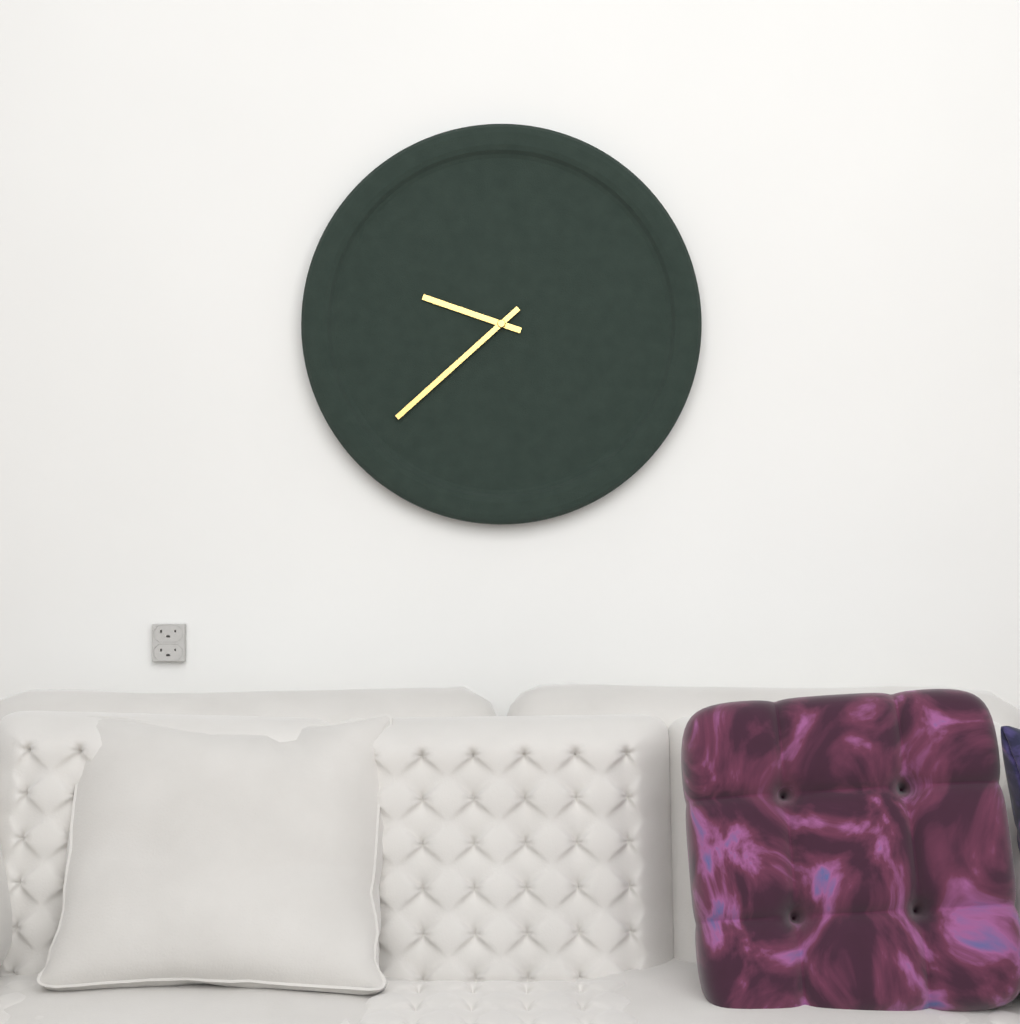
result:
9,38
